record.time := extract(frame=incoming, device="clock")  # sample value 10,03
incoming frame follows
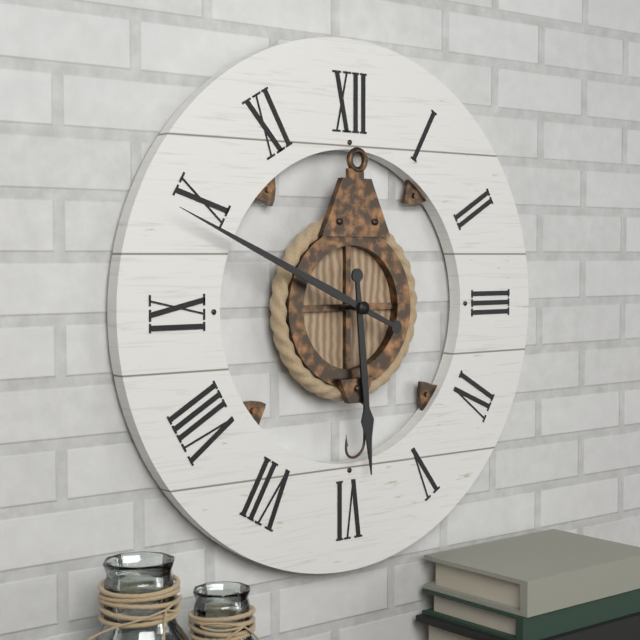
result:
5,49
